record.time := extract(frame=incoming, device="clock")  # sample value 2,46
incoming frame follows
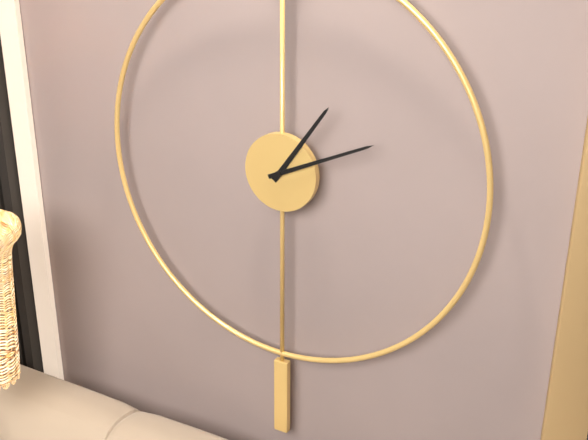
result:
1,11
